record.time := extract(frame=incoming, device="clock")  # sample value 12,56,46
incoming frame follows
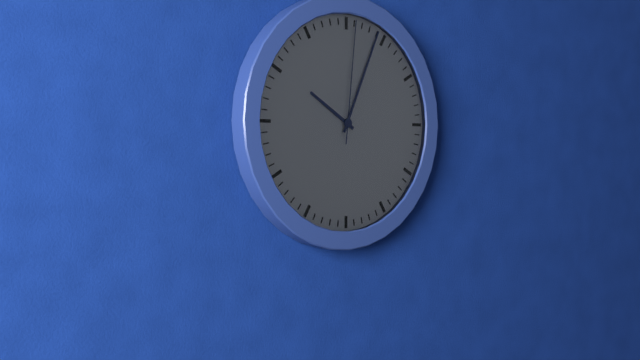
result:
10,04,01
